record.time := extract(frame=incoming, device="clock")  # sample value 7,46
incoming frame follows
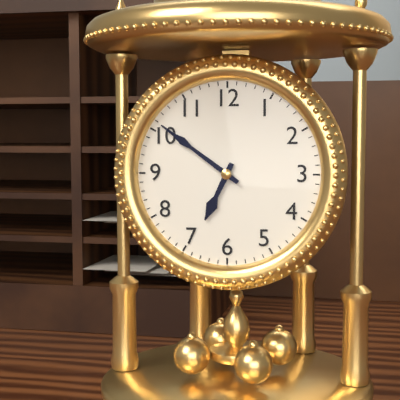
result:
6,51
